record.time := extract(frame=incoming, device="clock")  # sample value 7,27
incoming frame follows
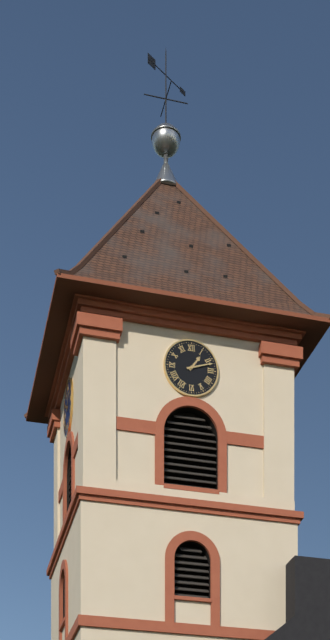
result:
1,12
